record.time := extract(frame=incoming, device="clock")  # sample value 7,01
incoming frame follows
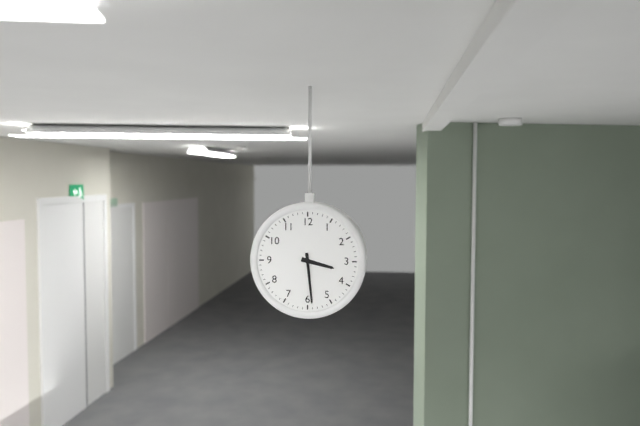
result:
3,29
